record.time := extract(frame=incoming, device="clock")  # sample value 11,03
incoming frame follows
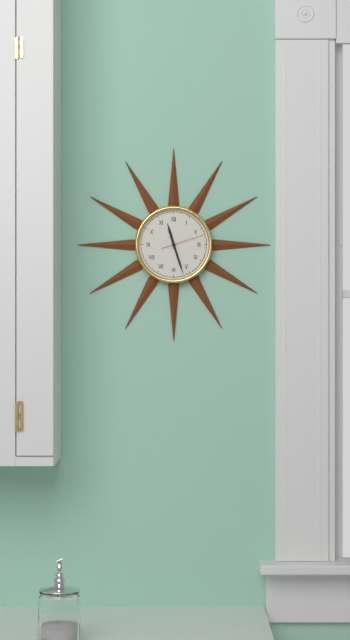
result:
11,27
